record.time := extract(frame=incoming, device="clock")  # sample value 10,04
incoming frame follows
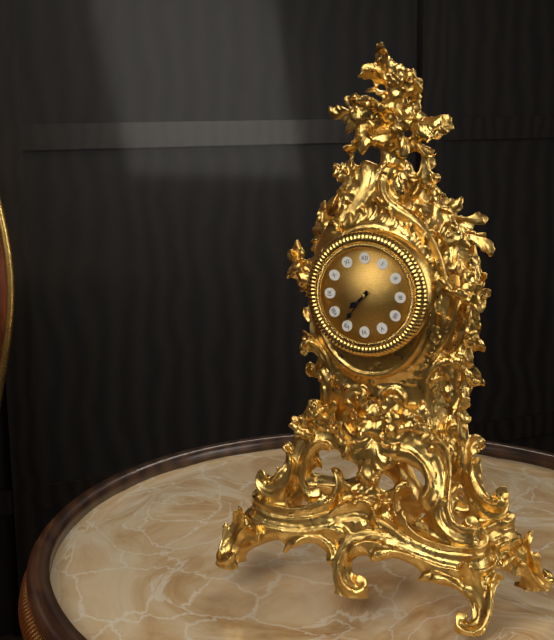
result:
7,36
